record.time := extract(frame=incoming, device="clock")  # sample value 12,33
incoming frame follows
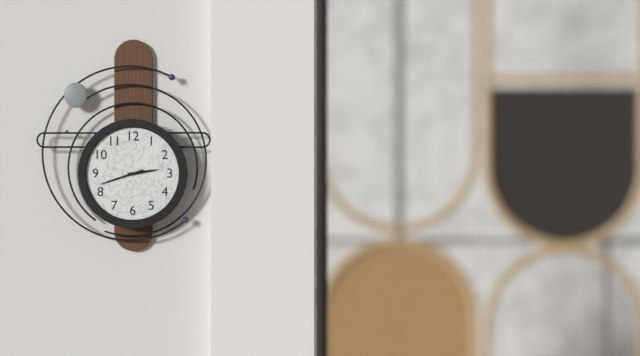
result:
2,42
